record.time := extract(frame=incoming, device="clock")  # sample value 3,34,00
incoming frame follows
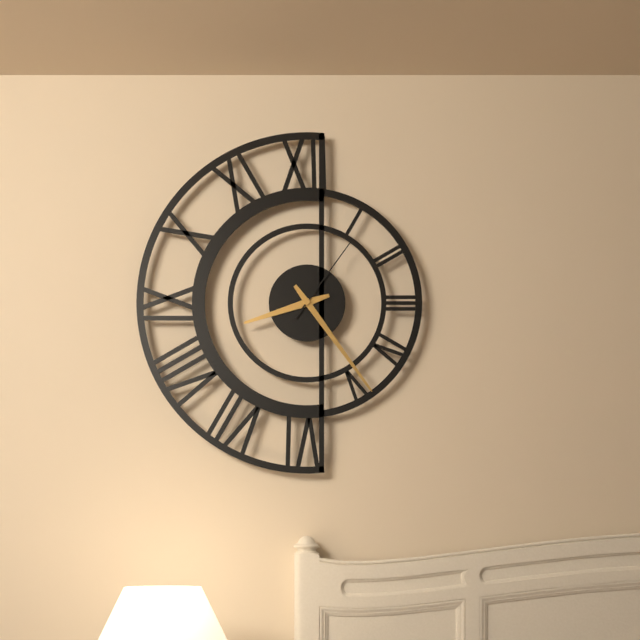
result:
8,24,06
